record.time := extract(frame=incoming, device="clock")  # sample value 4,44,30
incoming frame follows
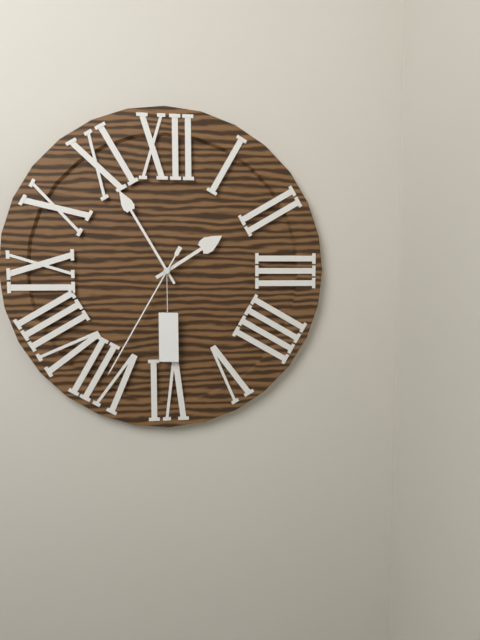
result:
1,55,35
